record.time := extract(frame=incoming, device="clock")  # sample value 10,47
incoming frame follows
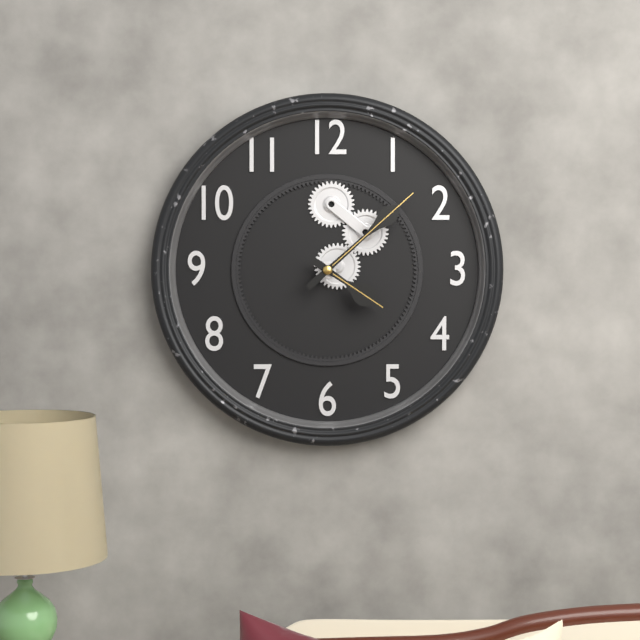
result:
4,08
